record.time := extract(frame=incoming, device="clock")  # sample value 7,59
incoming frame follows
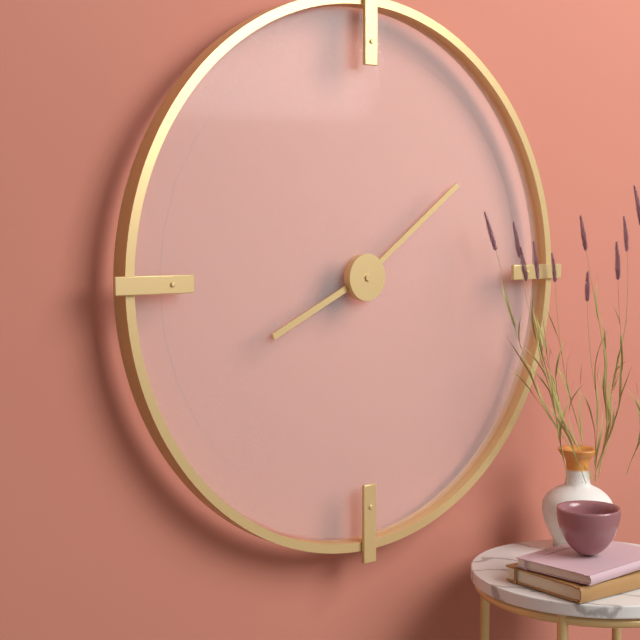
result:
8,09
